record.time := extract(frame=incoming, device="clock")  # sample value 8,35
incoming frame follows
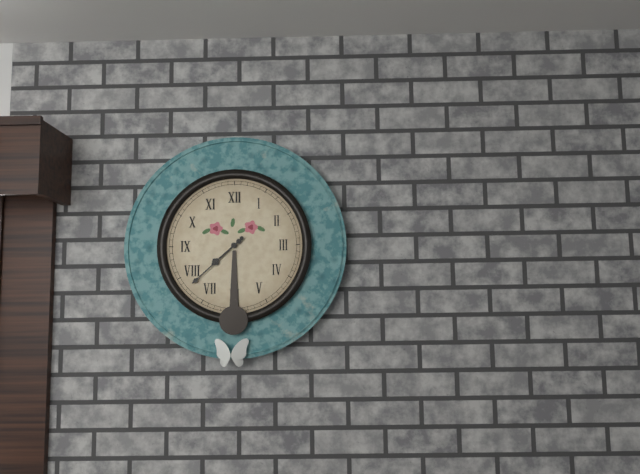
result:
7,38
